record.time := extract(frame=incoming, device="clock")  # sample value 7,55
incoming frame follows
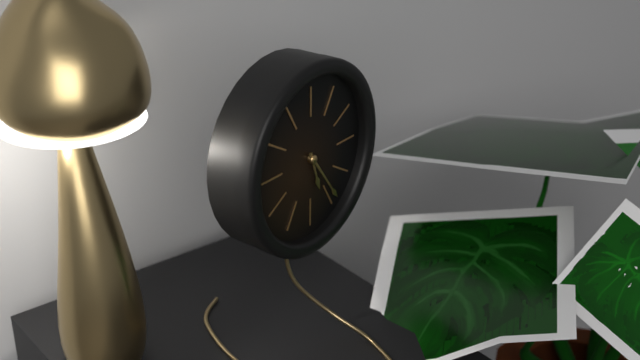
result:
5,24
